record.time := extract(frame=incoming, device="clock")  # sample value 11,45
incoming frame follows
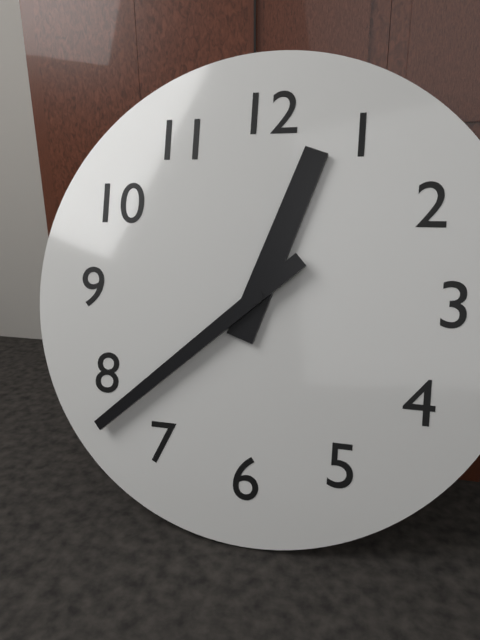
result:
12,38
